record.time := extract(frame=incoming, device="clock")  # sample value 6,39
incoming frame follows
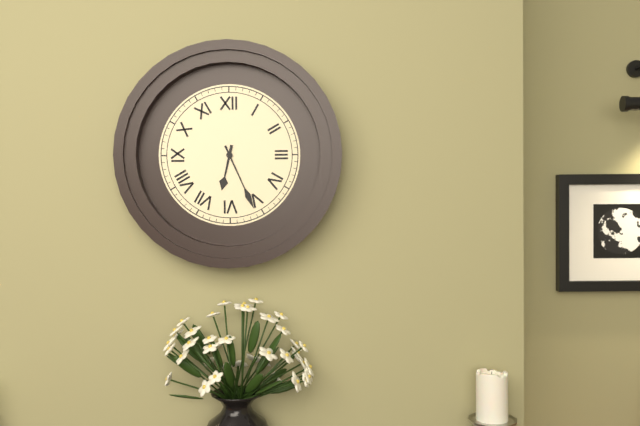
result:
6,26
